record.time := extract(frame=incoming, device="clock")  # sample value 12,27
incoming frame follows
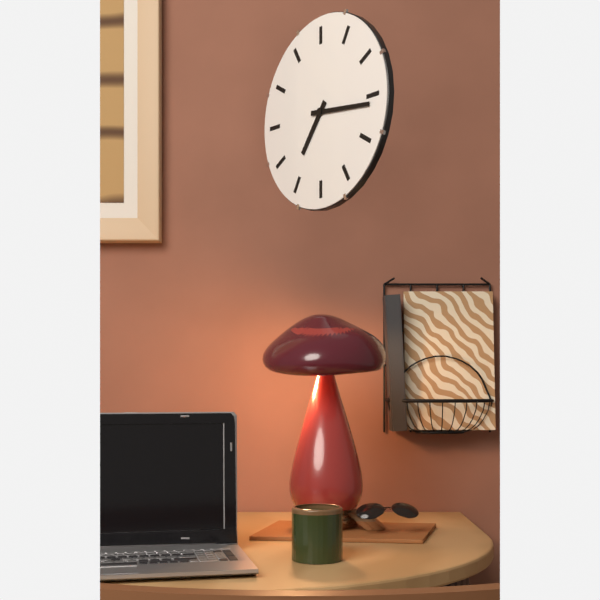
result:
7,16
